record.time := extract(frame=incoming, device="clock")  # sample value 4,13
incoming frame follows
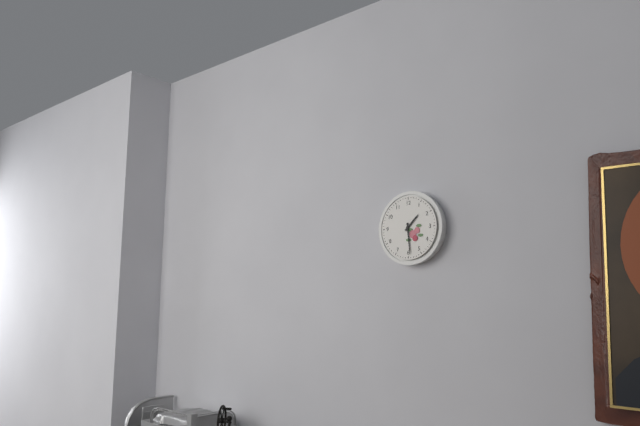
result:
1,29
